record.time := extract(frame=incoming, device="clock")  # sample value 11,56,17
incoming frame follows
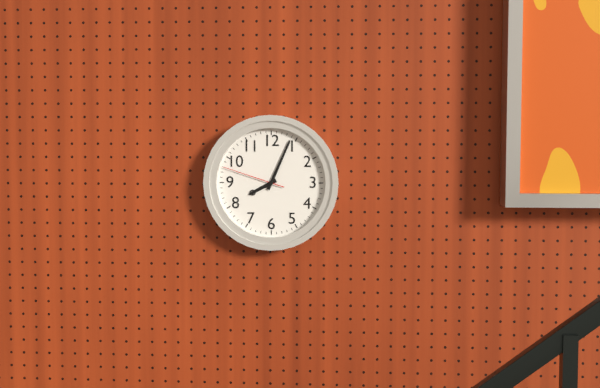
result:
8,04,48
